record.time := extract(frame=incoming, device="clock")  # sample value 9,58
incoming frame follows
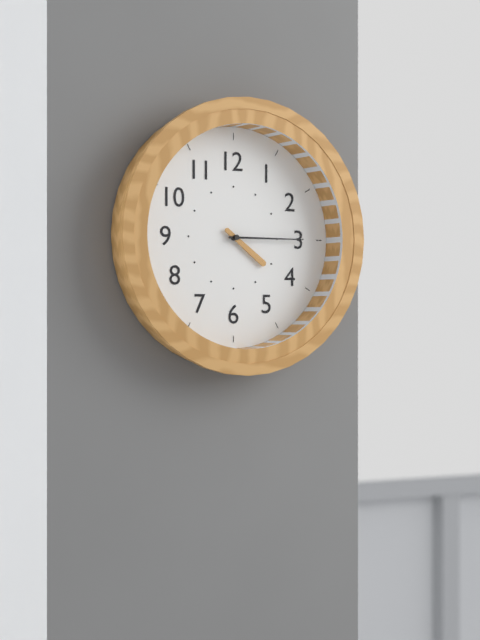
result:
4,15
